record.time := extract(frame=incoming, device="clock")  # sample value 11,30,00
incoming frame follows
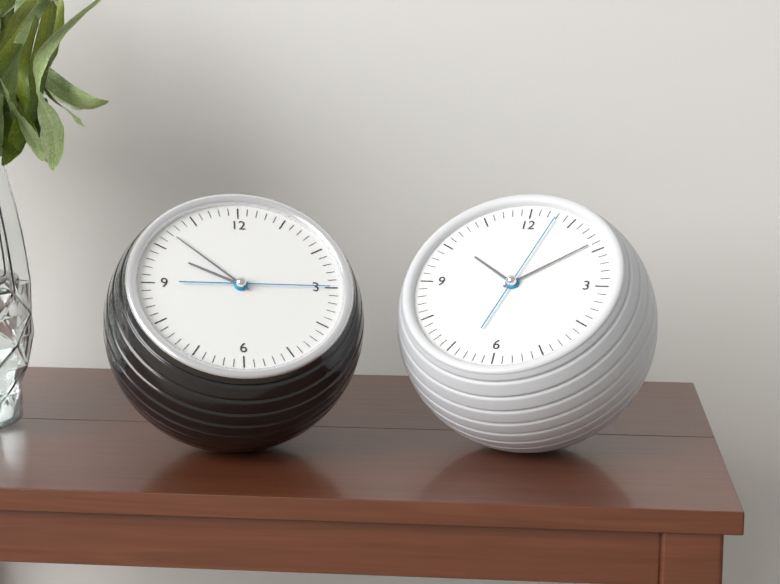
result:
9,52,15
